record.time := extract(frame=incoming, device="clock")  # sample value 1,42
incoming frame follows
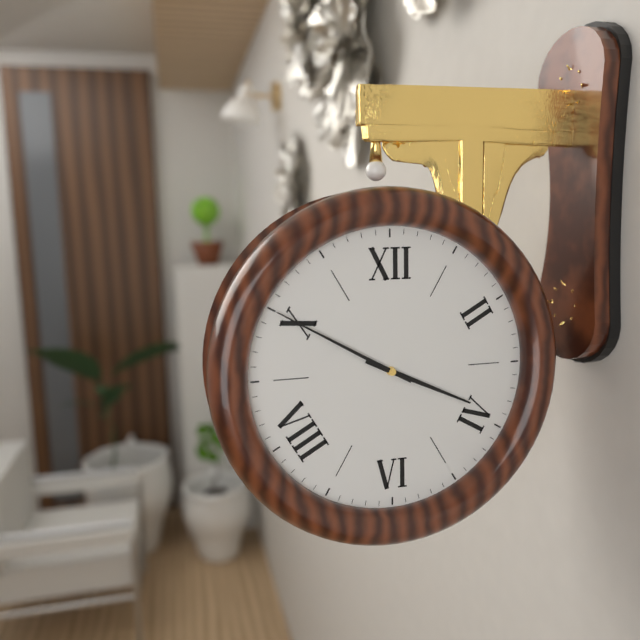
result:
3,50
